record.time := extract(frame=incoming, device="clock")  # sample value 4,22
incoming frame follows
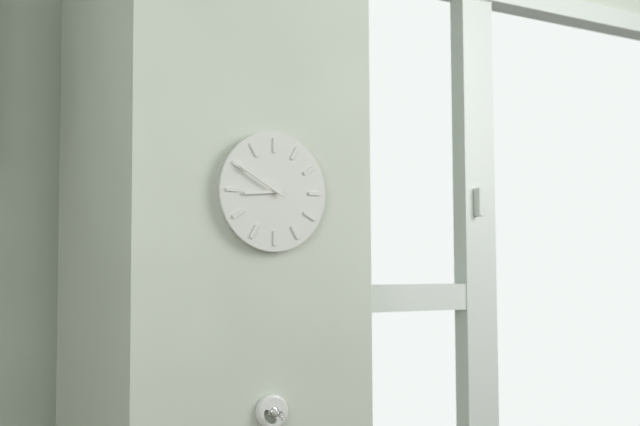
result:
8,50
